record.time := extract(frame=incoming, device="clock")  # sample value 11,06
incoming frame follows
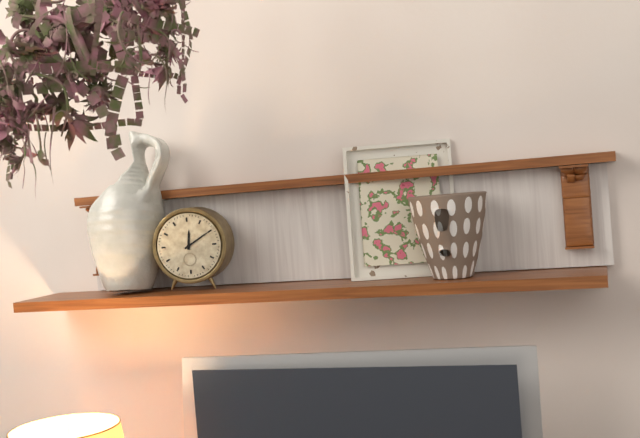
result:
12,10
